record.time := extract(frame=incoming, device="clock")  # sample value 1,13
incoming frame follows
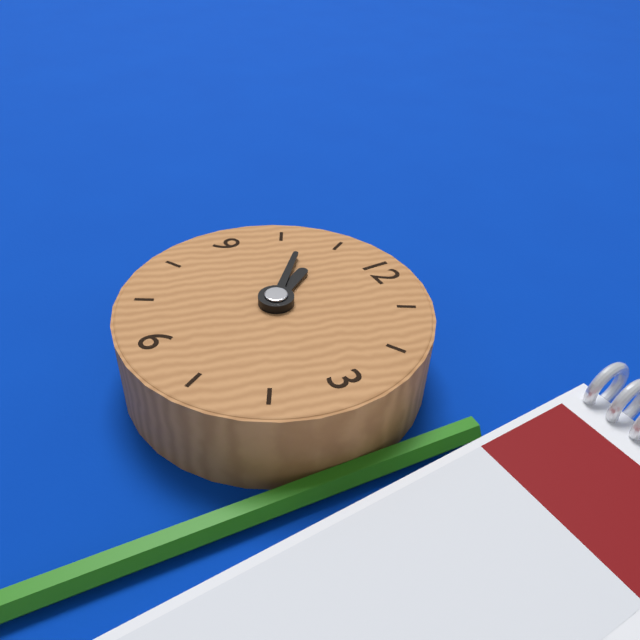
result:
10,52
